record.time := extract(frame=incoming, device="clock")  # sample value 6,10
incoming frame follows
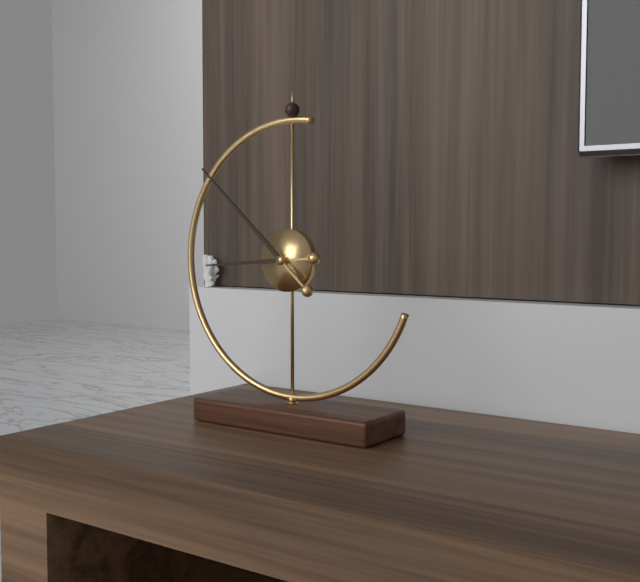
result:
8,52
